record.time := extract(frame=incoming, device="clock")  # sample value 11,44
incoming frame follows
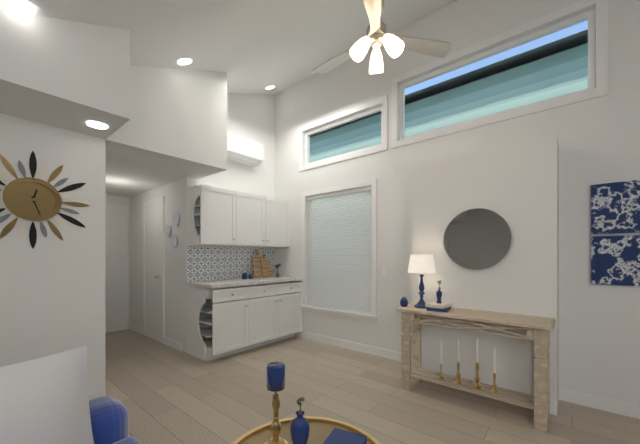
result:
12,27
